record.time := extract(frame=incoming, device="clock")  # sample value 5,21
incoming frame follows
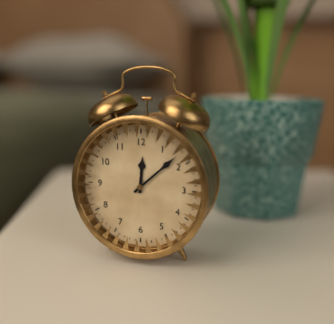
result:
12,08
